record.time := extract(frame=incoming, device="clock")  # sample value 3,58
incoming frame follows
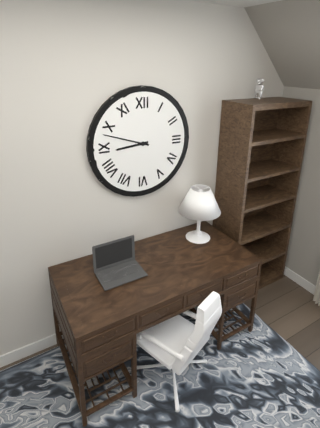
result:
8,48
